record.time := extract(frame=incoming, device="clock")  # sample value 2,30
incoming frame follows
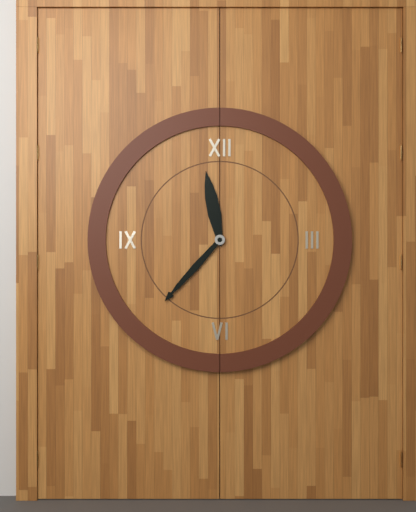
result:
11,37
